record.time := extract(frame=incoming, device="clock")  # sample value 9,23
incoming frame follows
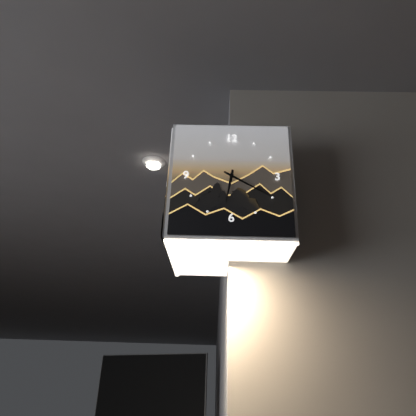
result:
6,20
